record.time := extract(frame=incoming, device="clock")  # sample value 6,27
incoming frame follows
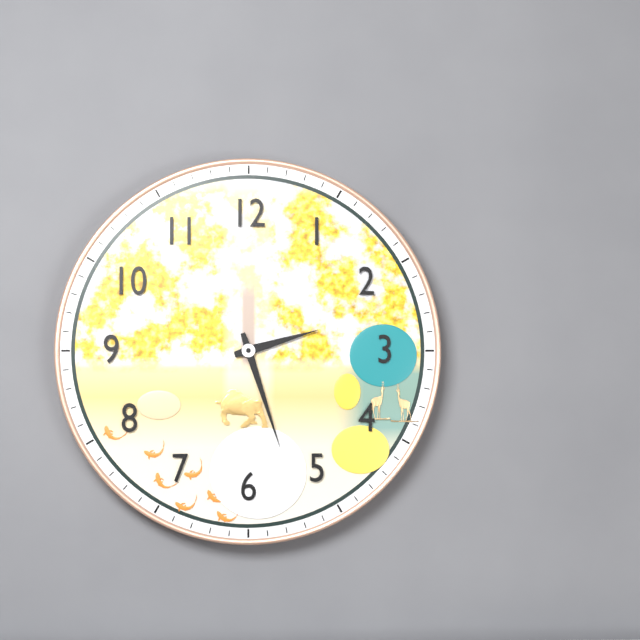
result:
2,27
